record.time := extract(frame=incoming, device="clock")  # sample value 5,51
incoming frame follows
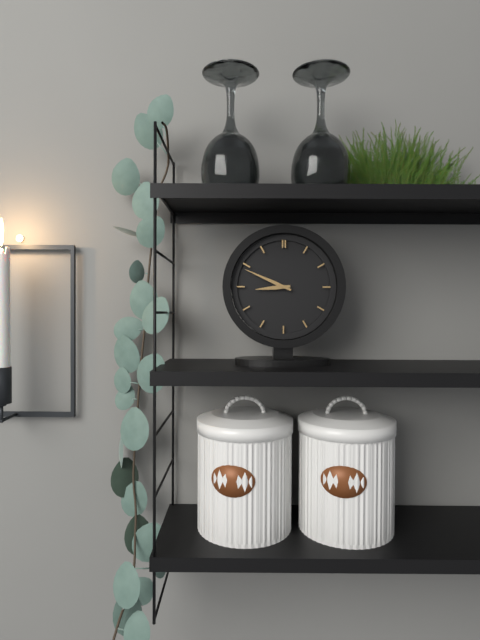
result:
8,49
